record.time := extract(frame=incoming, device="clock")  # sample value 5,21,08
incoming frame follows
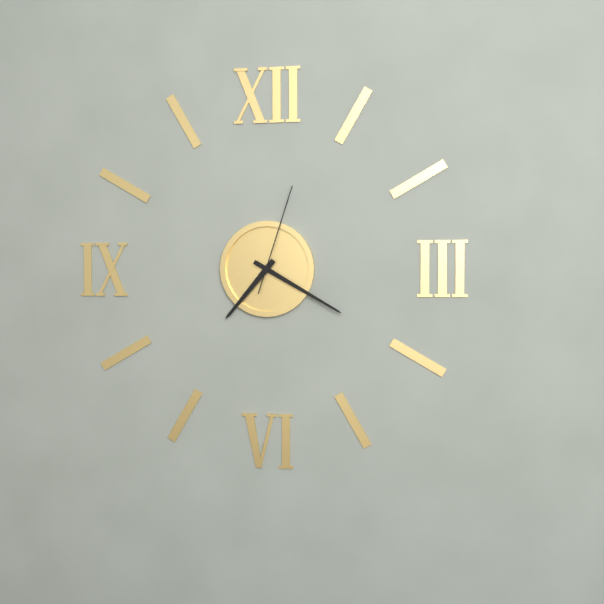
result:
7,20,03
